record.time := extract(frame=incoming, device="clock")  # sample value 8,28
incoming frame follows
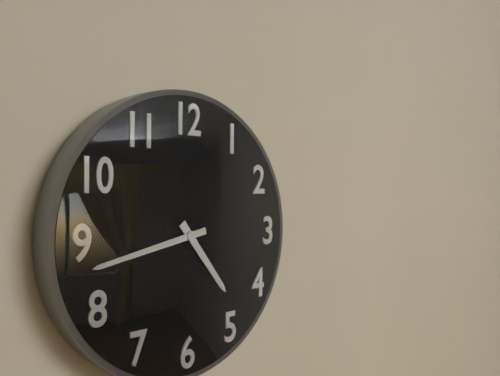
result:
4,43
